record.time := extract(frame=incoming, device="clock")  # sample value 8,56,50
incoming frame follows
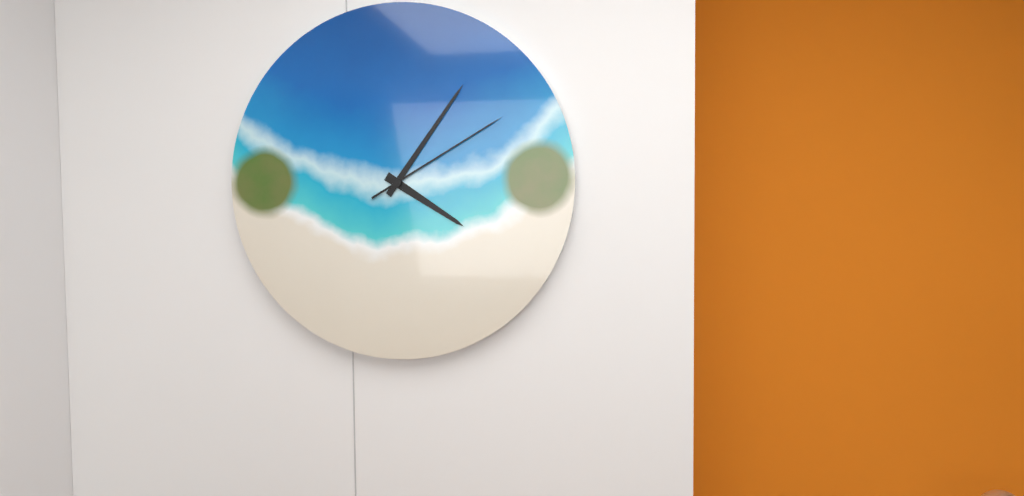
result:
4,06,10
